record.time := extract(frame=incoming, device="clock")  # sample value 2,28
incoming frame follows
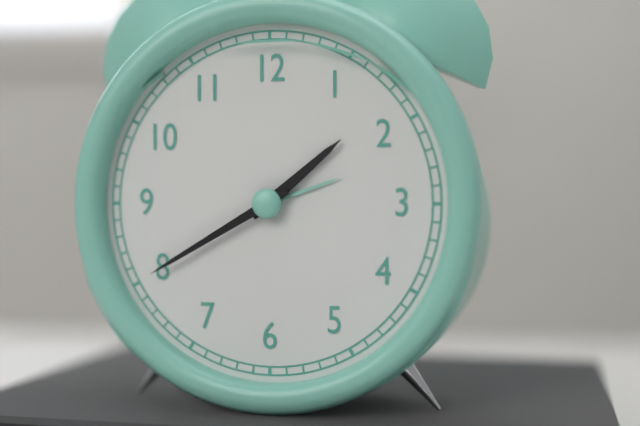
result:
1,40
